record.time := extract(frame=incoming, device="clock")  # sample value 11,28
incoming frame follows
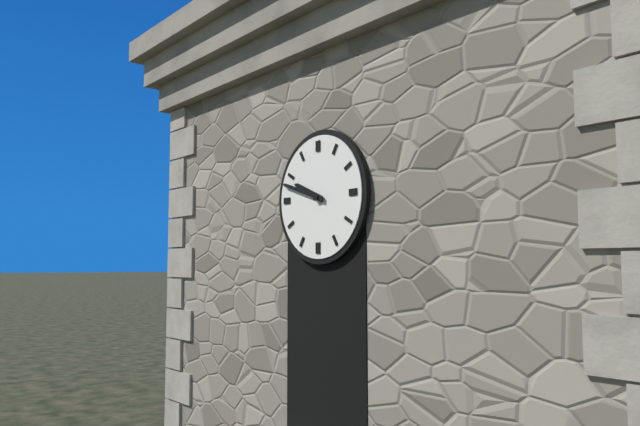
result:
9,48
